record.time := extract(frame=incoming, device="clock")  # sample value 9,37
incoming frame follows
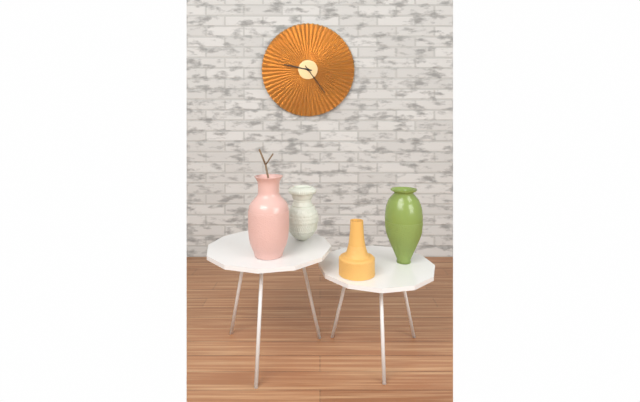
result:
9,24
